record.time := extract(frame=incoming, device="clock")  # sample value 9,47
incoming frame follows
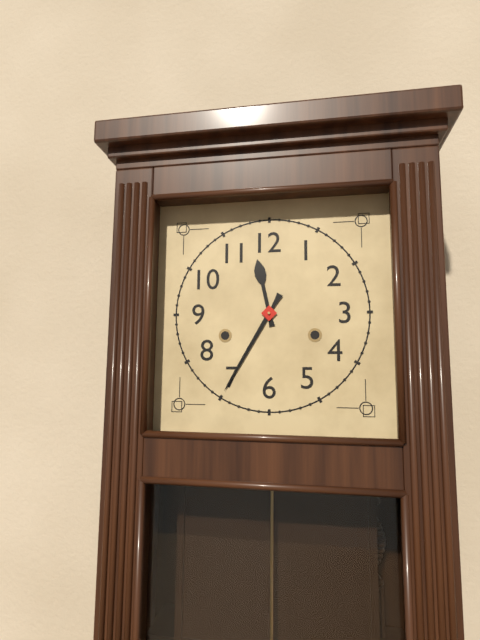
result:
11,35
